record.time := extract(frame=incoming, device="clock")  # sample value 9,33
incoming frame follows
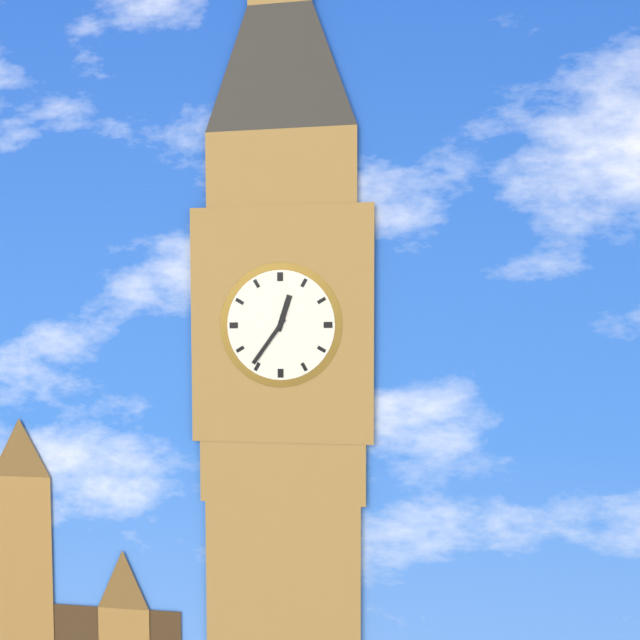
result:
12,36
